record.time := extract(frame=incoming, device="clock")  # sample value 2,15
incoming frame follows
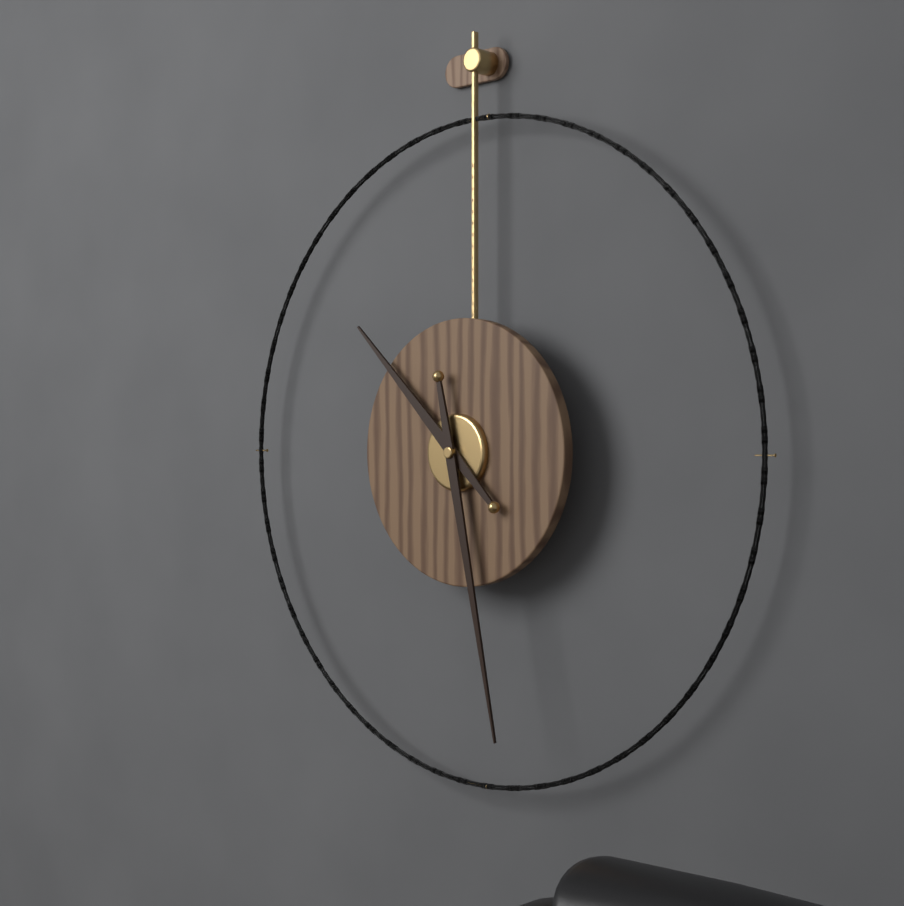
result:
10,28
